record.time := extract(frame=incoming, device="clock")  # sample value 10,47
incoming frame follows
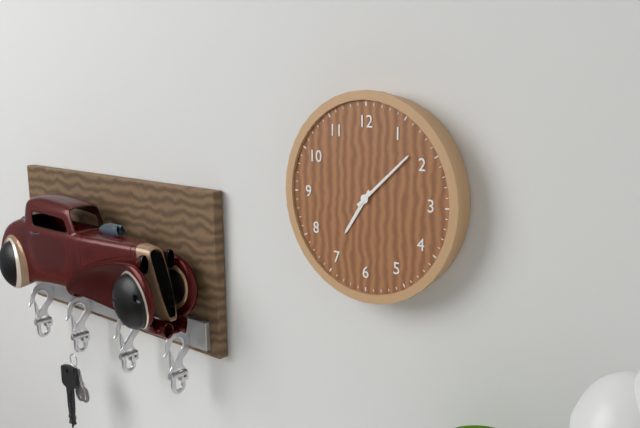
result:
7,08
